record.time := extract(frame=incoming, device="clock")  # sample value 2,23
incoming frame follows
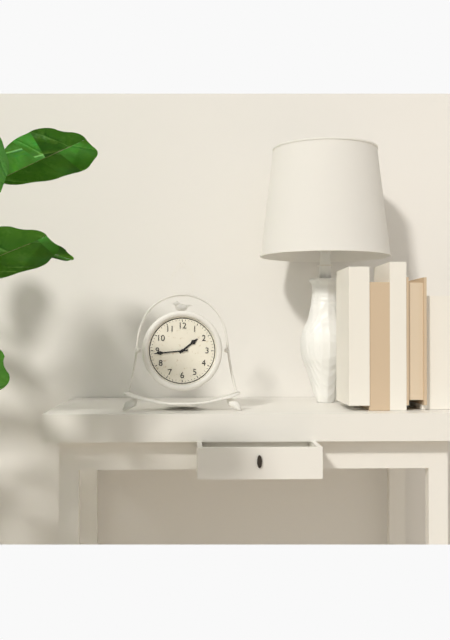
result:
1,44
